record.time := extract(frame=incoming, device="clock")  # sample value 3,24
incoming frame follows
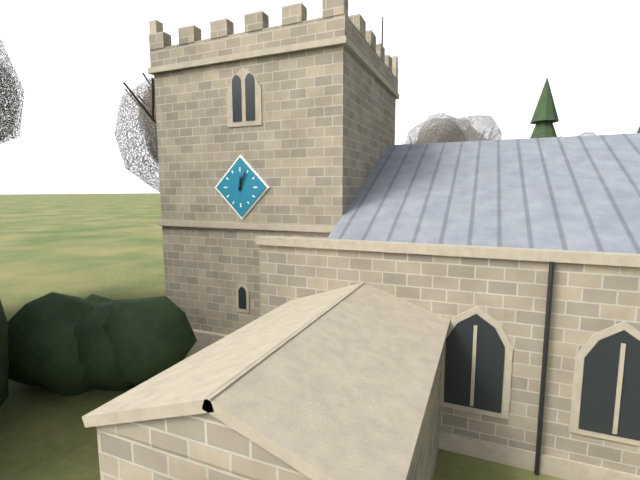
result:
12,04
